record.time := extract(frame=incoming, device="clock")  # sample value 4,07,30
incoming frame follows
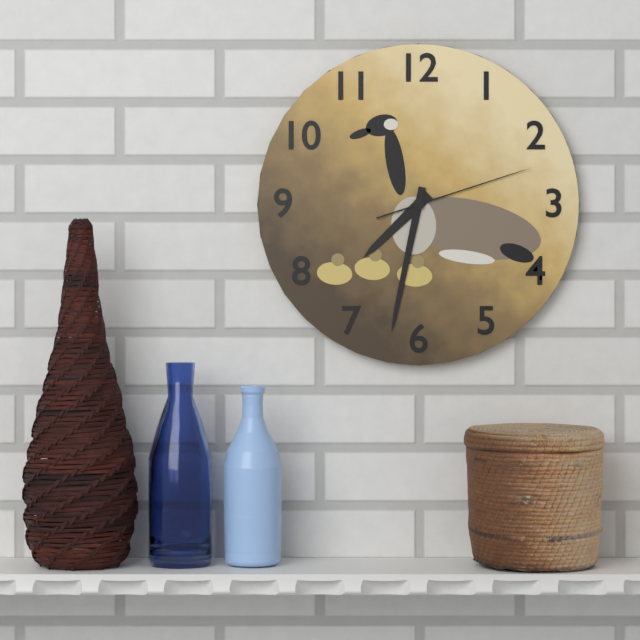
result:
7,32,12
